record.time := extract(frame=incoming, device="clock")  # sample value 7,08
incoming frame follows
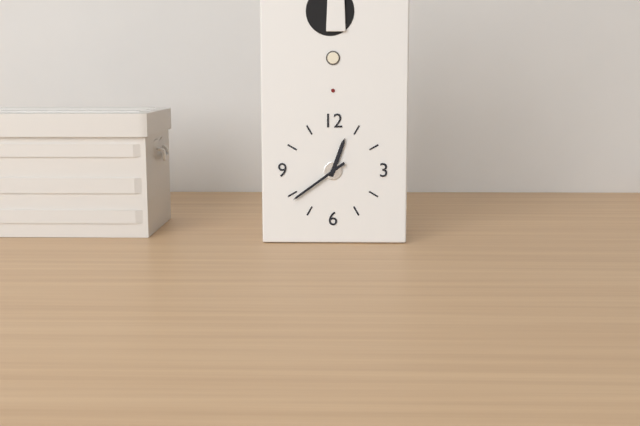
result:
12,39
